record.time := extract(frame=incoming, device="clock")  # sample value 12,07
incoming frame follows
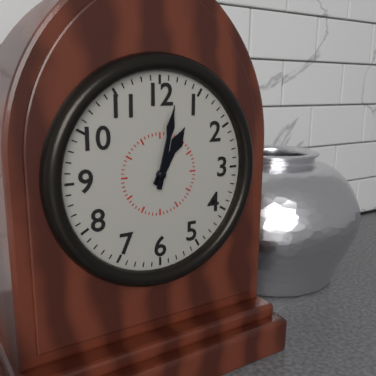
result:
1,02
